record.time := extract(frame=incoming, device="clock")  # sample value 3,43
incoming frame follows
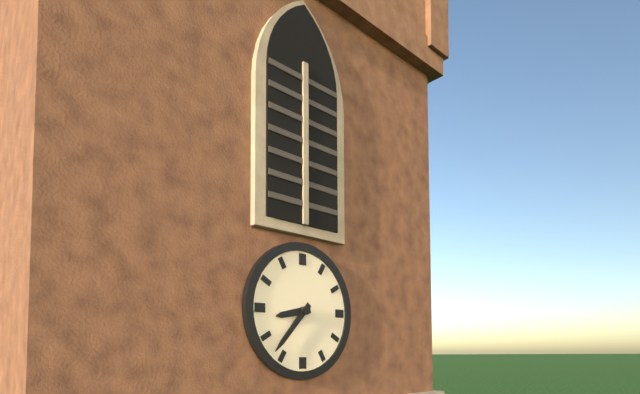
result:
8,37
